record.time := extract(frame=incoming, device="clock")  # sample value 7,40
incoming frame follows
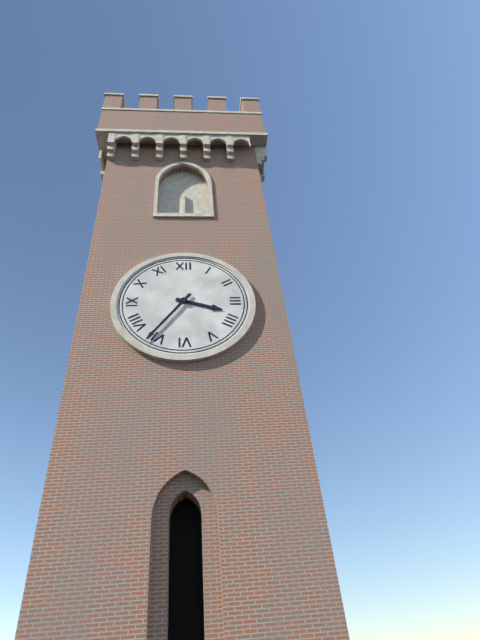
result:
3,36
